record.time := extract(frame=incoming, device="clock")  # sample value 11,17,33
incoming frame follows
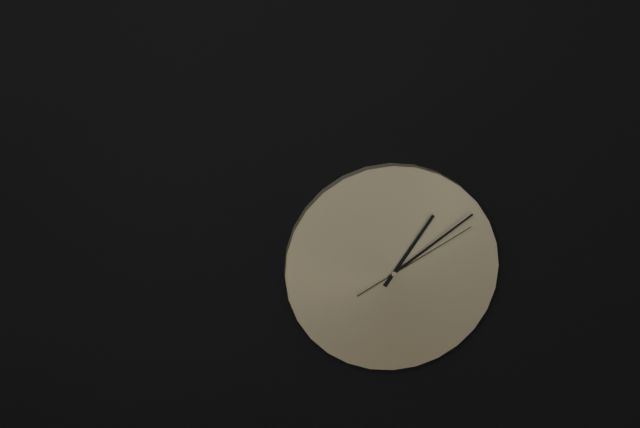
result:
1,09,10
